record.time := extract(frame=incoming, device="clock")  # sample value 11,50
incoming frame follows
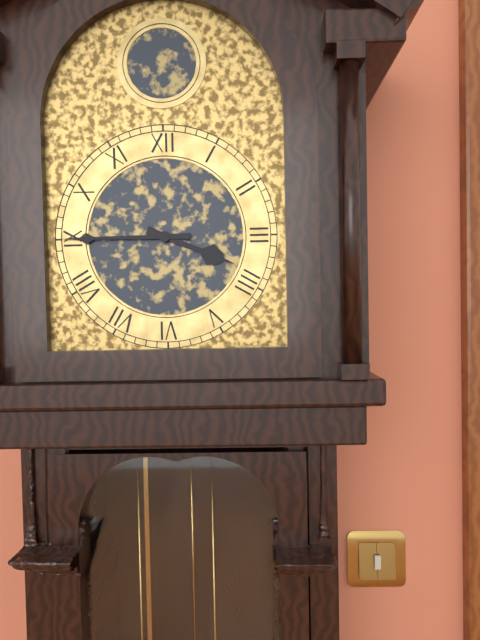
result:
3,45
